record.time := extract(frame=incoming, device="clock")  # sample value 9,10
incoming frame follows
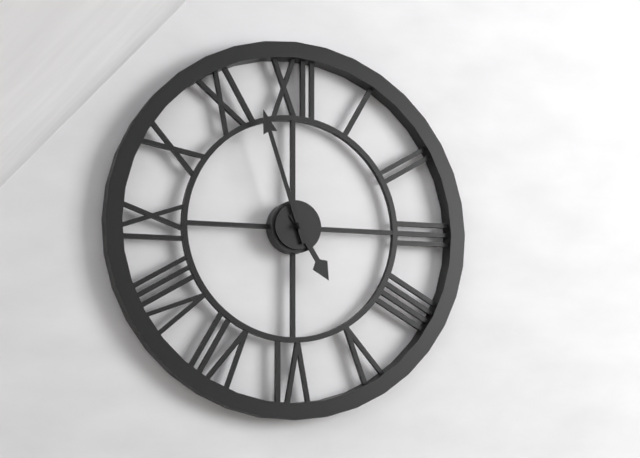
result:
4,57
